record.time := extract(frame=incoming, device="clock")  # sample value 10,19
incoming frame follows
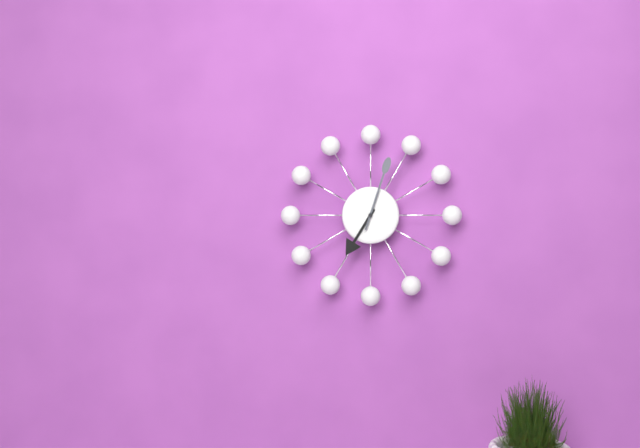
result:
7,03
